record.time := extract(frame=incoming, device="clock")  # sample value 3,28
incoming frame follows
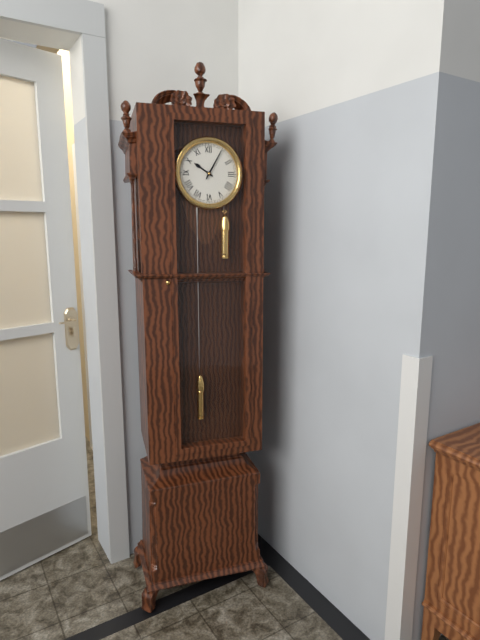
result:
10,05
